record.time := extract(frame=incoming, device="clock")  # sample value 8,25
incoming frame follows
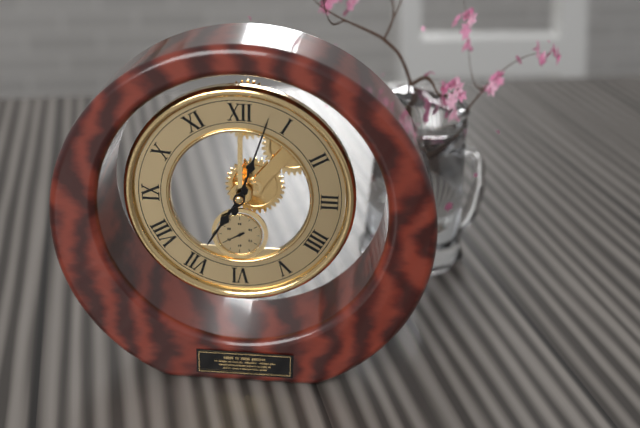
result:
7,03
